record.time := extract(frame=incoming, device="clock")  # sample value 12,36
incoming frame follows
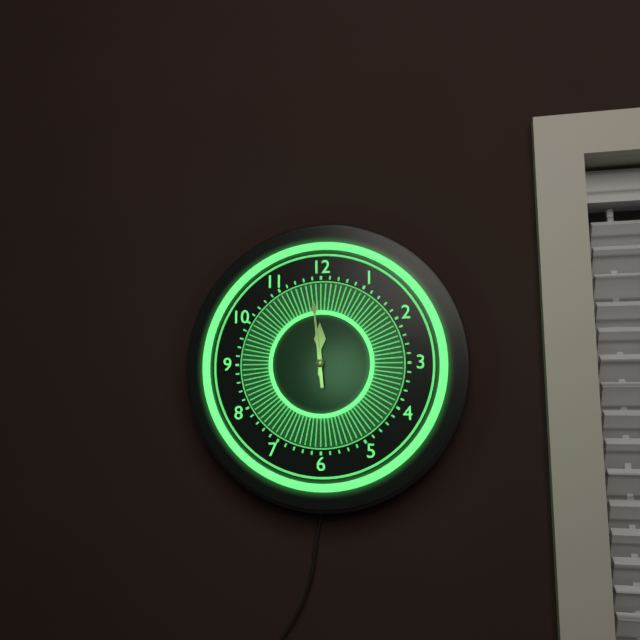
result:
11,59
